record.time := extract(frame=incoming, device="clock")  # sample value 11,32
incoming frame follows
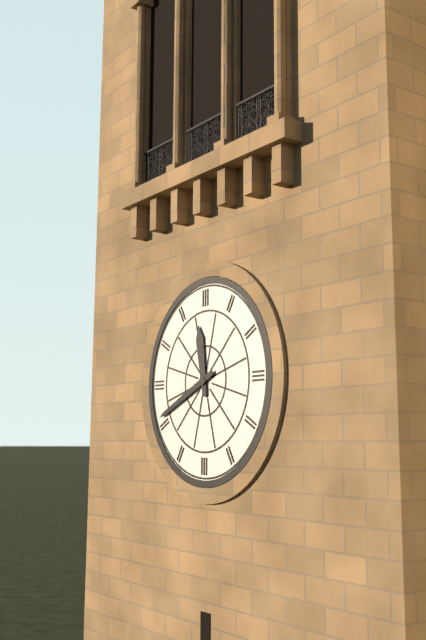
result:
11,41
